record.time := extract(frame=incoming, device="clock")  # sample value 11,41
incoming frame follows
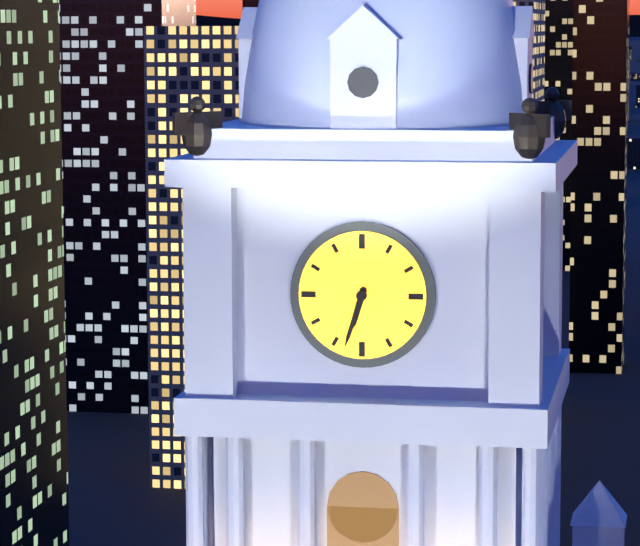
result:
6,33
